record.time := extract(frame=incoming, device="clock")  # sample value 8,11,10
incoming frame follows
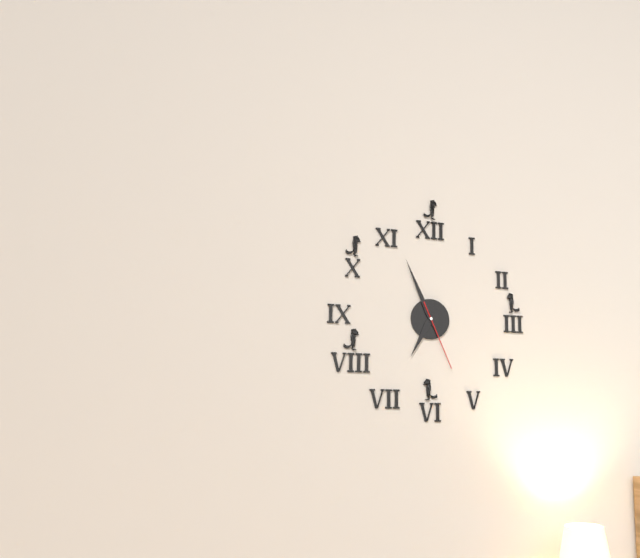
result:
6,56,26
